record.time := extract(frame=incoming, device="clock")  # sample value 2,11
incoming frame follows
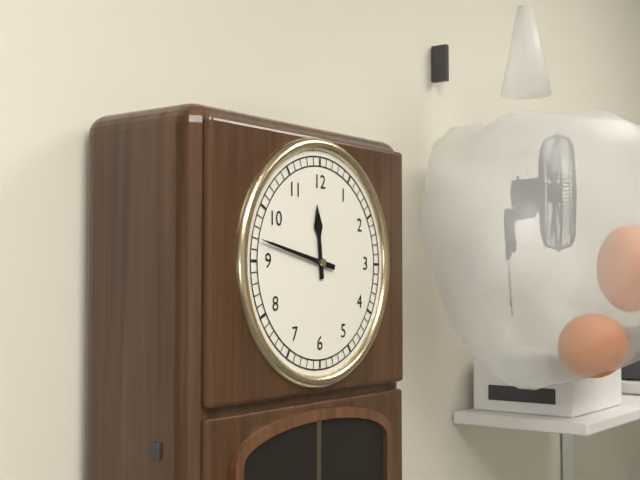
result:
11,47
